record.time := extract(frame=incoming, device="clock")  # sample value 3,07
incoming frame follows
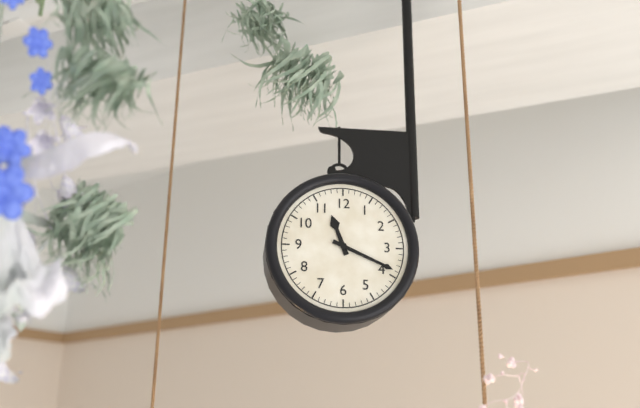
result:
11,19
